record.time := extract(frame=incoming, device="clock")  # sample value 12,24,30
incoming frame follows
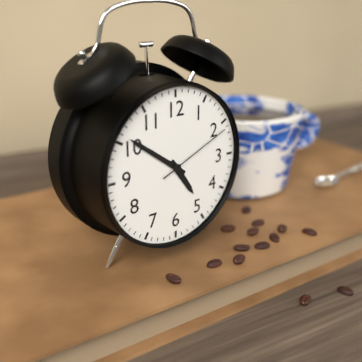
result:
4,51,11
